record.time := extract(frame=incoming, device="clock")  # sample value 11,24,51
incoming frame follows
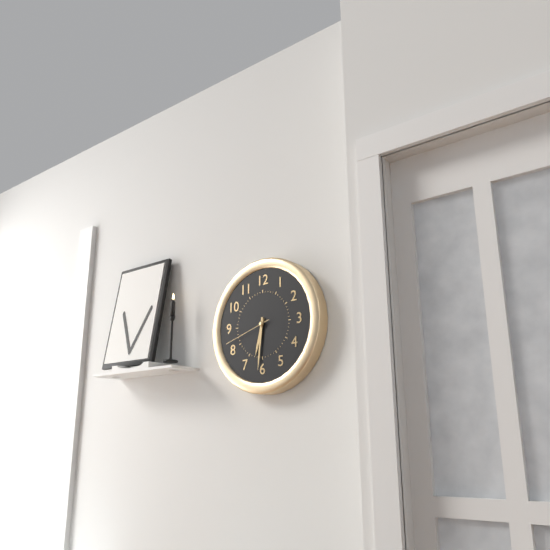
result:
6,31,42
